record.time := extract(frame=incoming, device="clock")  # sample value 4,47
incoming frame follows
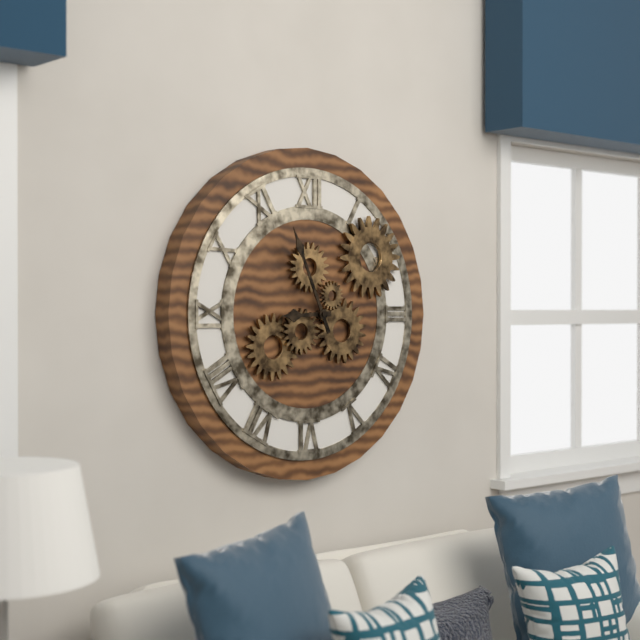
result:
8,56
